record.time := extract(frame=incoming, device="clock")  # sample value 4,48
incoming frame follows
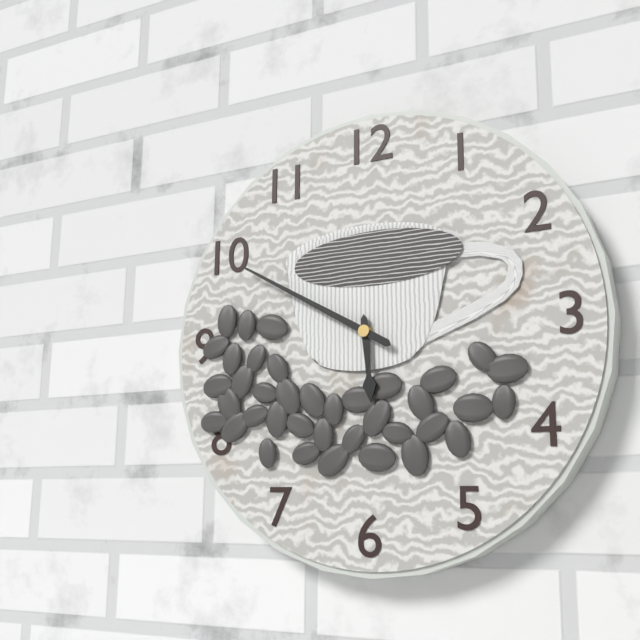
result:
5,50
